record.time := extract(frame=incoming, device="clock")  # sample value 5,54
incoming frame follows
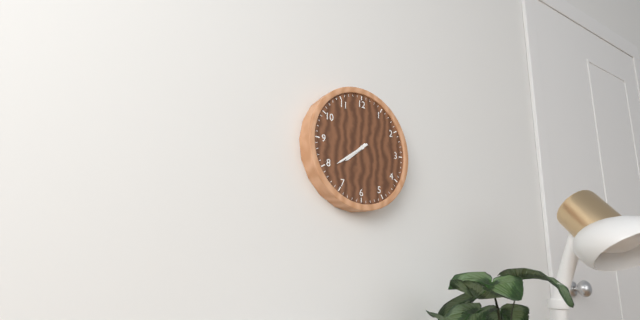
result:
7,39
